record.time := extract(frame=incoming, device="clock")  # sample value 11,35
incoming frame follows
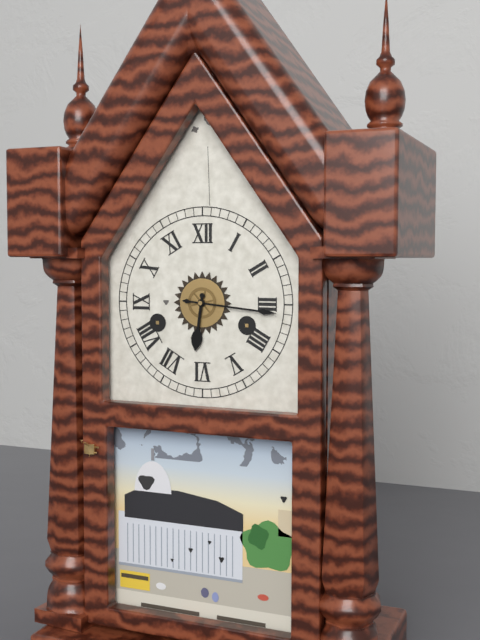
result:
6,16
